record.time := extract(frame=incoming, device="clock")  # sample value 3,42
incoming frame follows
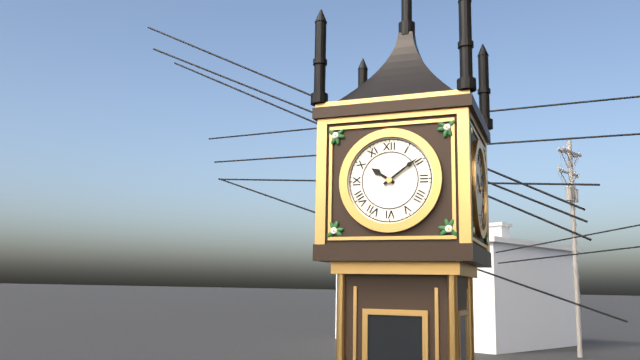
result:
10,09
